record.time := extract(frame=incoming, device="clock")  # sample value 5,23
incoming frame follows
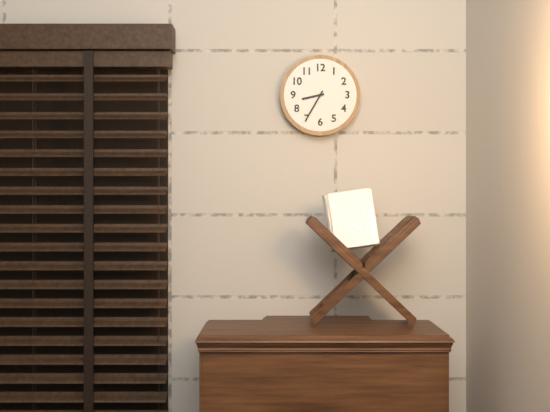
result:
8,35
